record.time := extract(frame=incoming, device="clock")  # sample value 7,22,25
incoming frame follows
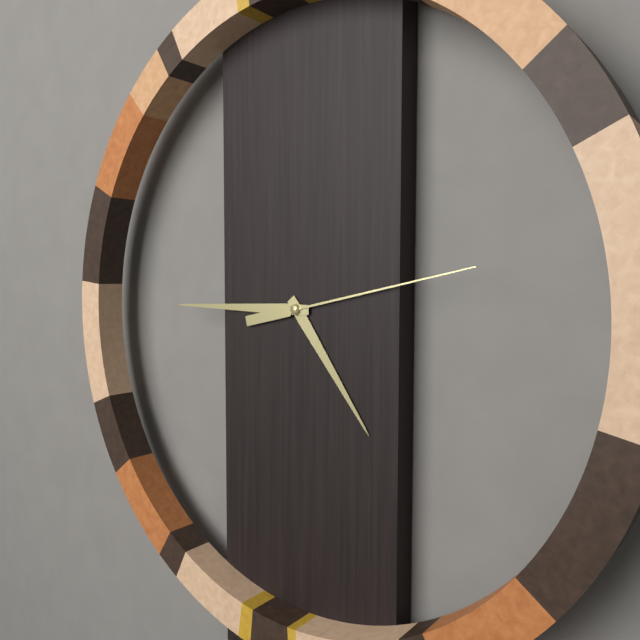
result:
4,45,13
